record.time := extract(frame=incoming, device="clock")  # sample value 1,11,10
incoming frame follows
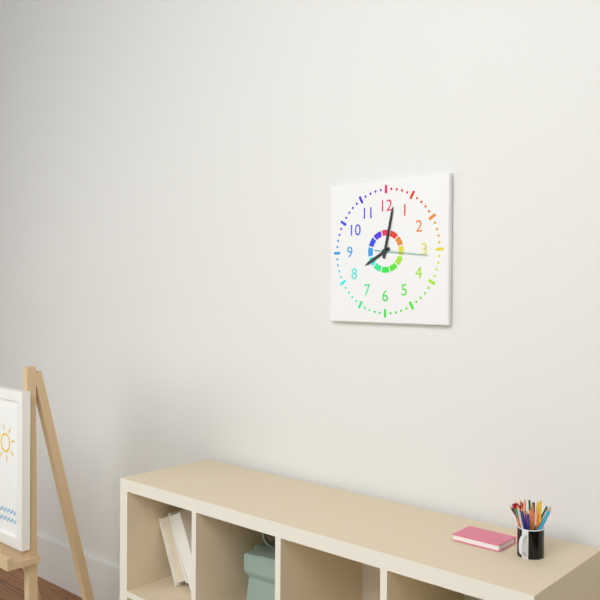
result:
8,02,16
